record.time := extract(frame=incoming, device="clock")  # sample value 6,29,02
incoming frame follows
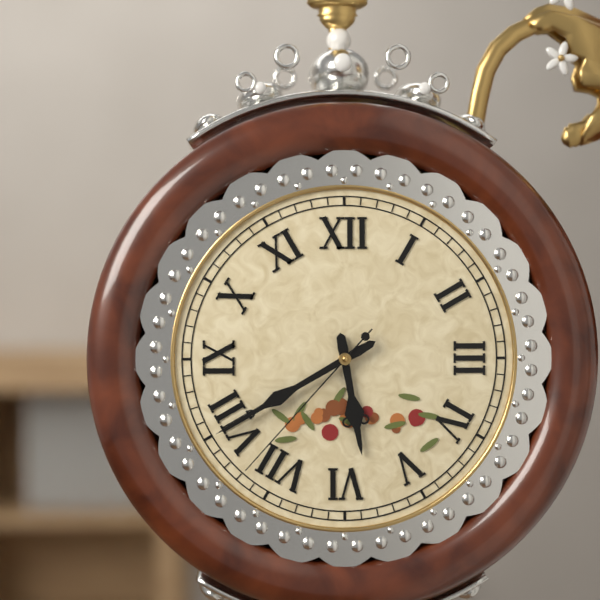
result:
5,40,37
